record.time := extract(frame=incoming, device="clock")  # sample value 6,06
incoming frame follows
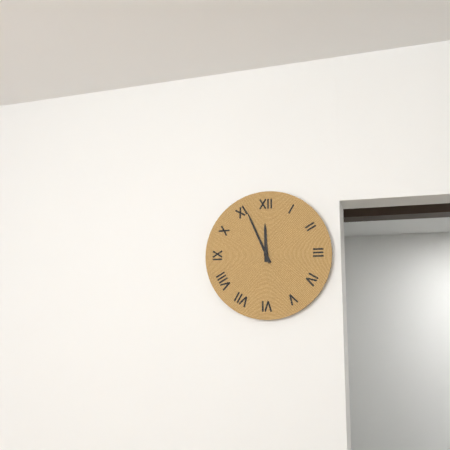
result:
11,56
